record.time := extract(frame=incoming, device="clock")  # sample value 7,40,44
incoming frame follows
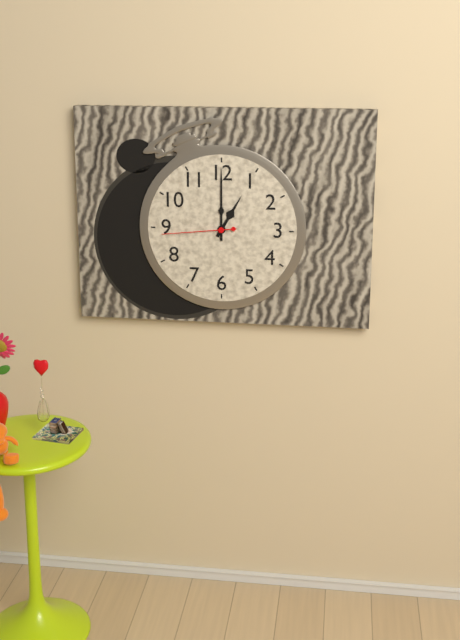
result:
1,00,44
